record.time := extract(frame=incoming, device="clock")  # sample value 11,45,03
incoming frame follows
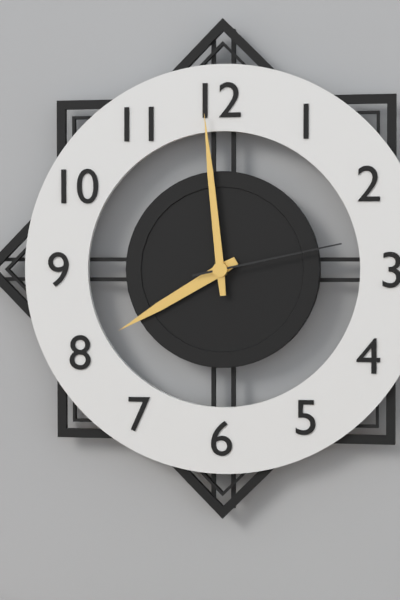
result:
7,59,13
